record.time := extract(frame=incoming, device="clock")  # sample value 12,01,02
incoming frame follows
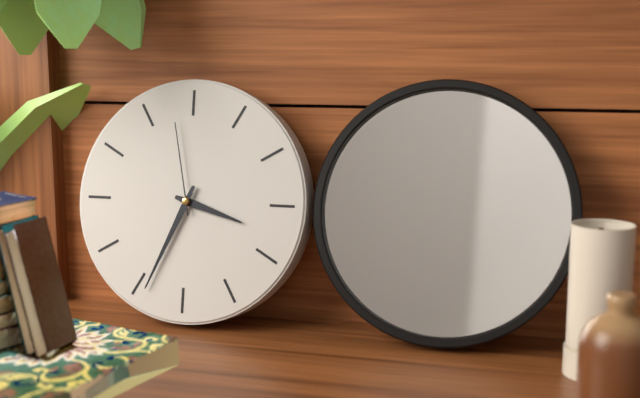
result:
3,34,58
